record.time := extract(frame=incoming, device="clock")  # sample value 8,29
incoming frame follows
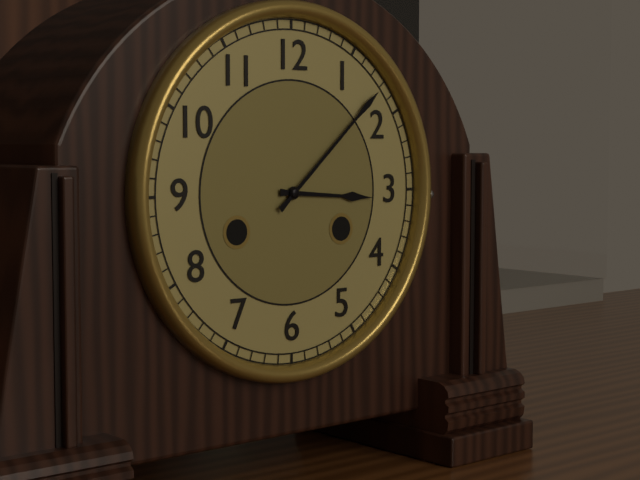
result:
3,08
